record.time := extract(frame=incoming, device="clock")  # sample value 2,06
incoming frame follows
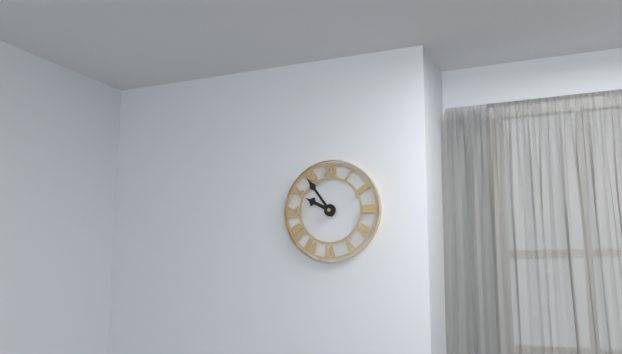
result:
9,54
